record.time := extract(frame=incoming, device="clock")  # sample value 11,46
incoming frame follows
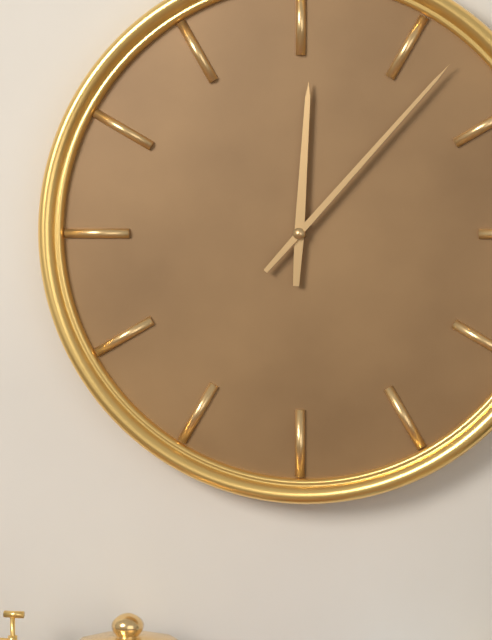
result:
12,07
